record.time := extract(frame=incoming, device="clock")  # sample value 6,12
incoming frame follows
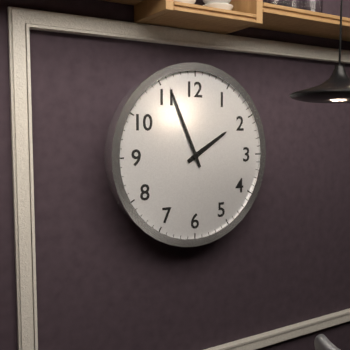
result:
1,56
